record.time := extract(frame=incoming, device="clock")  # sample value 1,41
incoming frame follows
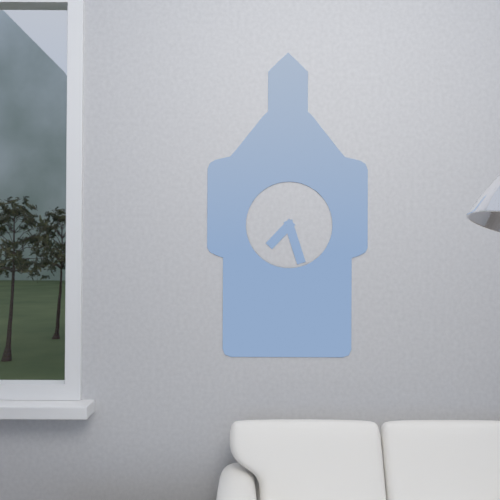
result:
7,27
